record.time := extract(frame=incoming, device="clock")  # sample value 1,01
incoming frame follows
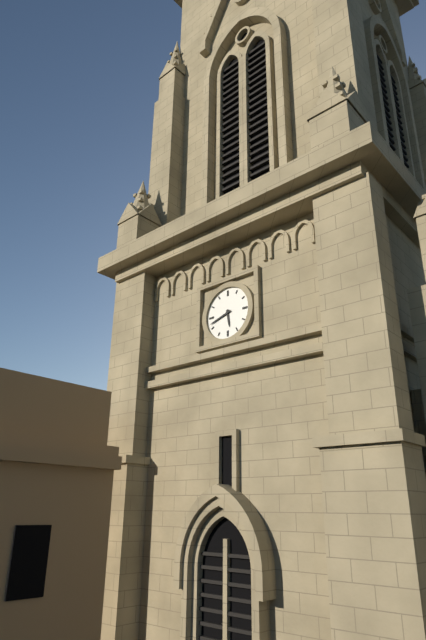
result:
5,42
